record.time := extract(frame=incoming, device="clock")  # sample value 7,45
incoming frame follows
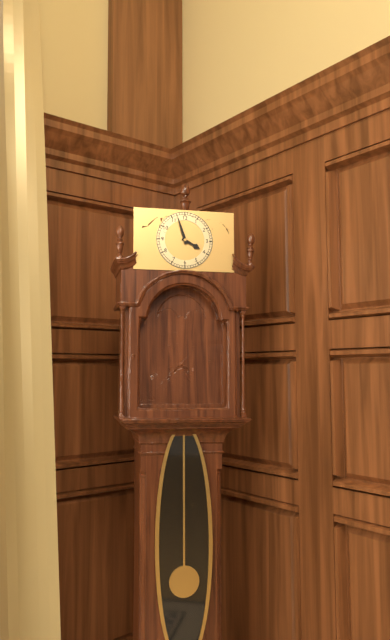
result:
3,57
